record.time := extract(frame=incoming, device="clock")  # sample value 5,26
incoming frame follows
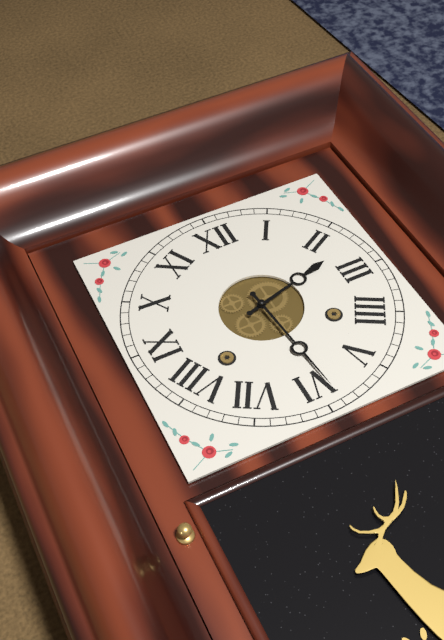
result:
2,29
